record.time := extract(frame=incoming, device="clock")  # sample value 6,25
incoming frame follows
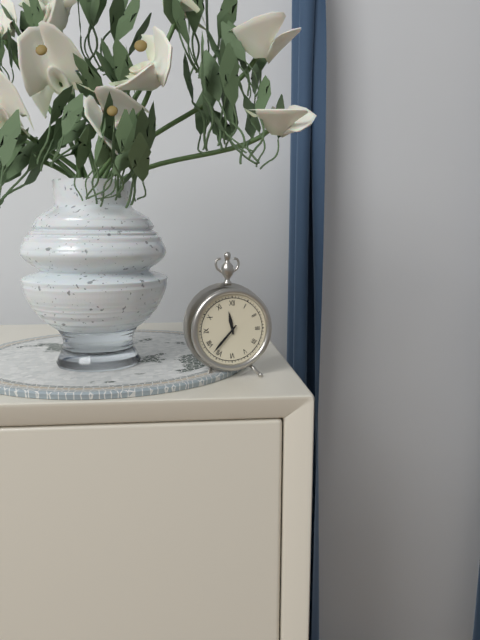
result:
11,37
